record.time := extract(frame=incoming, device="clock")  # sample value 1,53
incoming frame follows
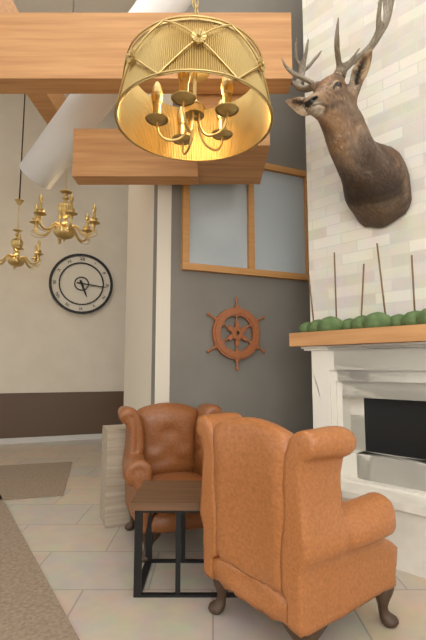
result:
5,16
